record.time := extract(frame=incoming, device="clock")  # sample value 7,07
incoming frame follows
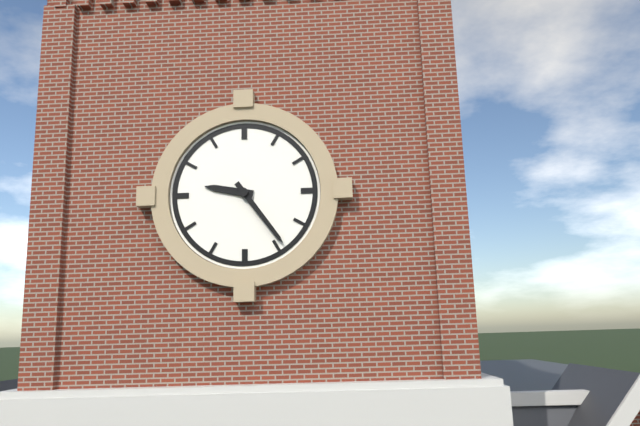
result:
9,24
